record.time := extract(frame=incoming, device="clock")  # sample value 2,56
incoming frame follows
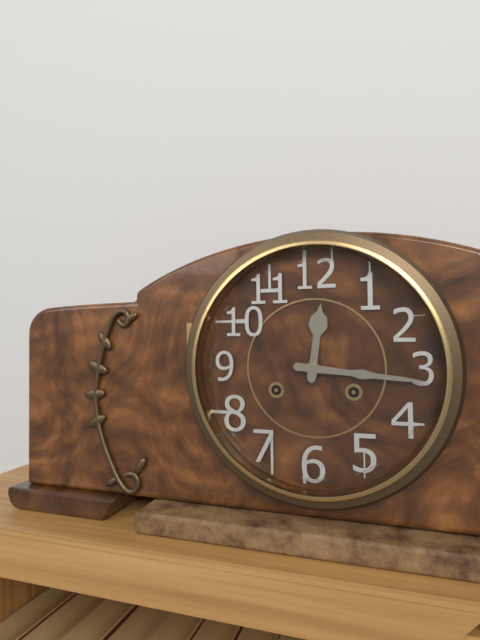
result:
12,16
